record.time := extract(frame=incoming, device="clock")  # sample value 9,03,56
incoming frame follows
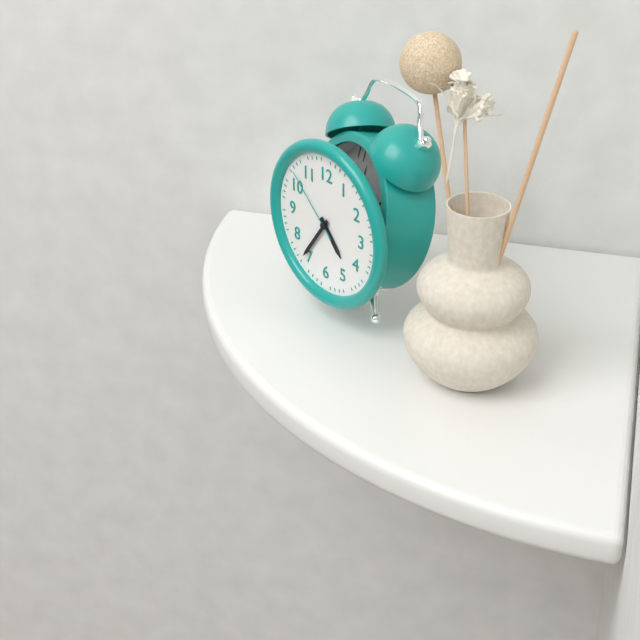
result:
4,36,52
